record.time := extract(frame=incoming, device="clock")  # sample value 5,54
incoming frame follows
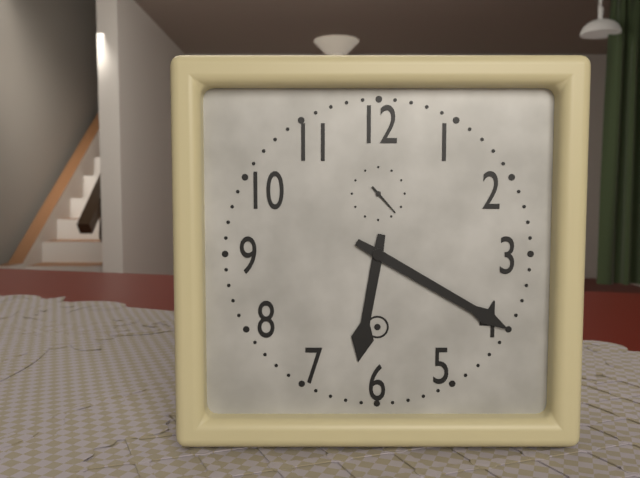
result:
6,20
